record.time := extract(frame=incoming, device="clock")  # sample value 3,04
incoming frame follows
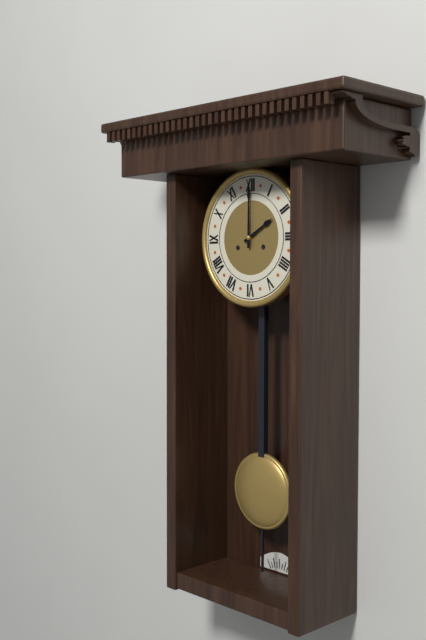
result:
2,00
